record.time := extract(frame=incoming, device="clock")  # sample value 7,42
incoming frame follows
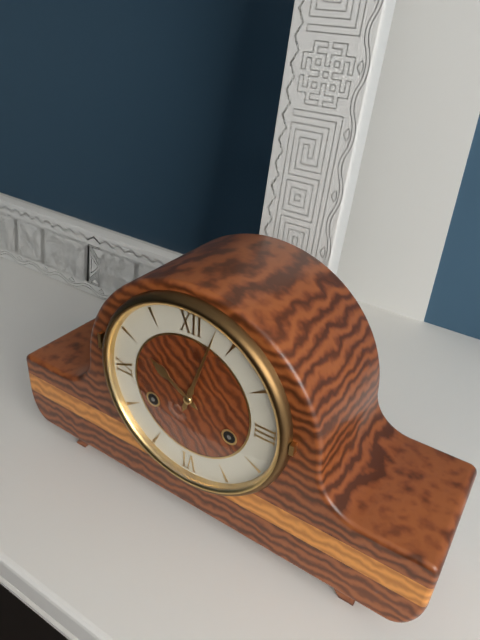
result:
10,03
